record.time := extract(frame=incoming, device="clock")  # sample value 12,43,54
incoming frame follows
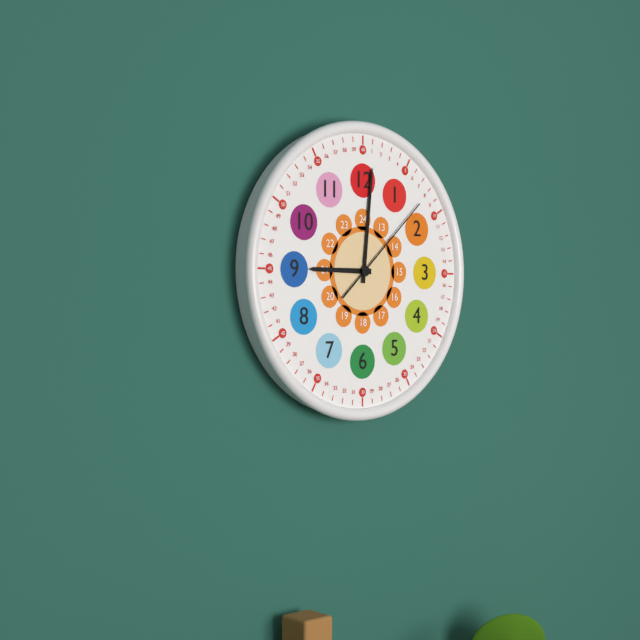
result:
9,01,08
